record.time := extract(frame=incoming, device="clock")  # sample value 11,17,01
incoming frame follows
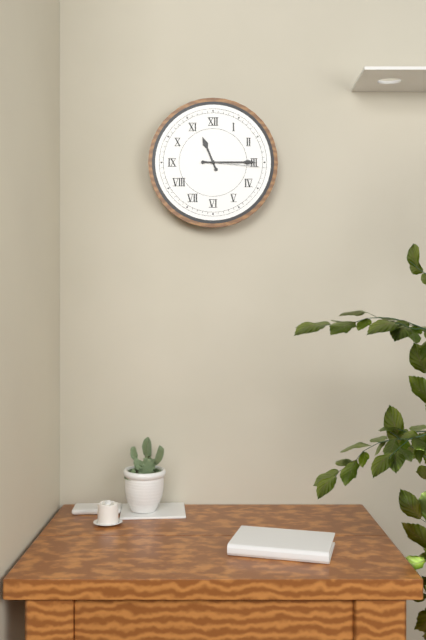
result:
11,15,16
